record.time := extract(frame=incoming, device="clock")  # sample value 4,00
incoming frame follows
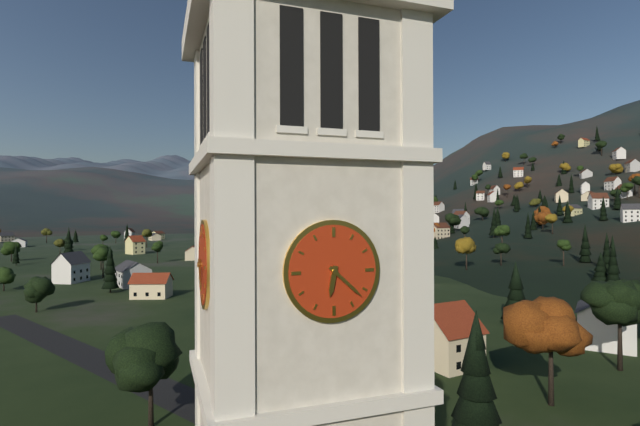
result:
6,22
